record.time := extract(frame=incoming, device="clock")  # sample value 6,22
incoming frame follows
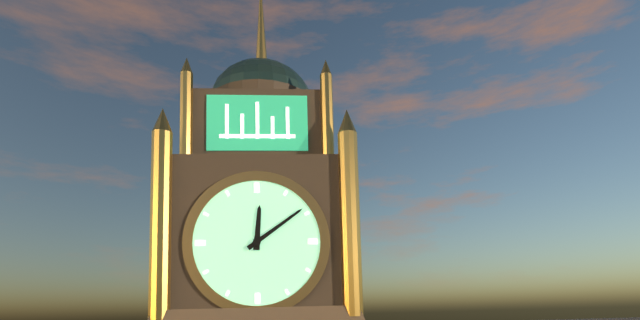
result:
12,09
